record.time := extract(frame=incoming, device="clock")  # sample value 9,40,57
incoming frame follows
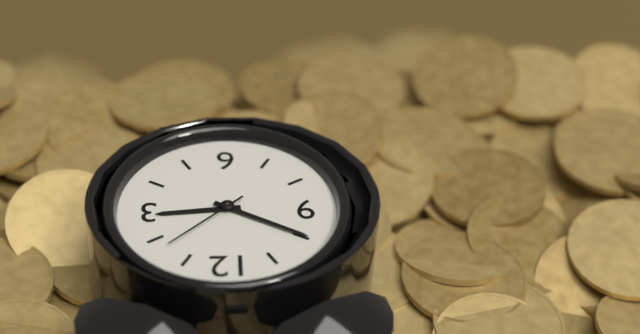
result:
2,50,08
